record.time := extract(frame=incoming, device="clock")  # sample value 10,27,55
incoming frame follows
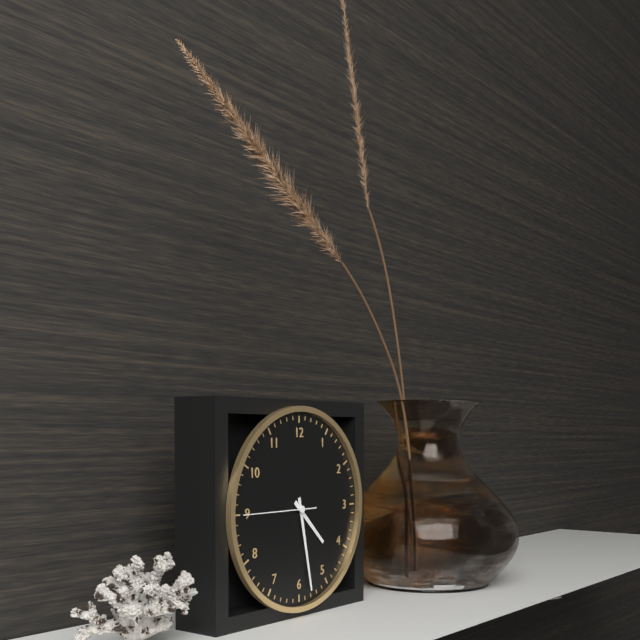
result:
4,28,45
